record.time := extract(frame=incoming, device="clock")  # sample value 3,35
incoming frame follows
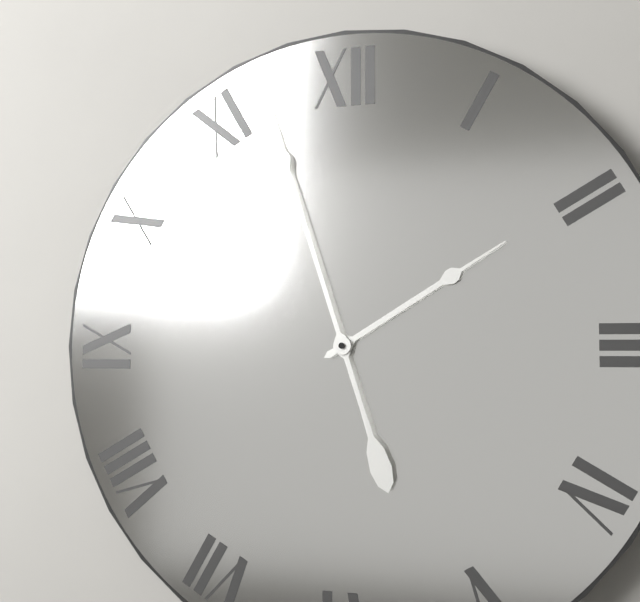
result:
1,57
